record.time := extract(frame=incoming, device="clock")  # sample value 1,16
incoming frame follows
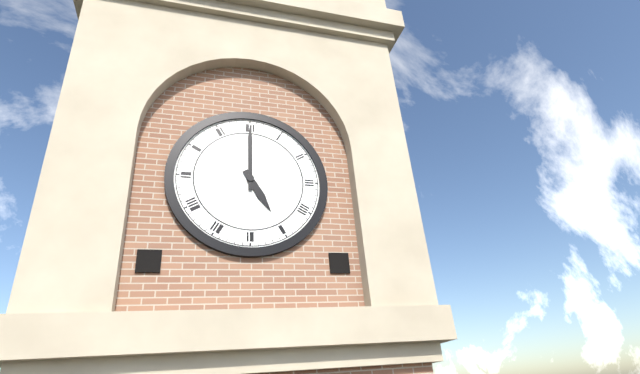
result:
5,00
